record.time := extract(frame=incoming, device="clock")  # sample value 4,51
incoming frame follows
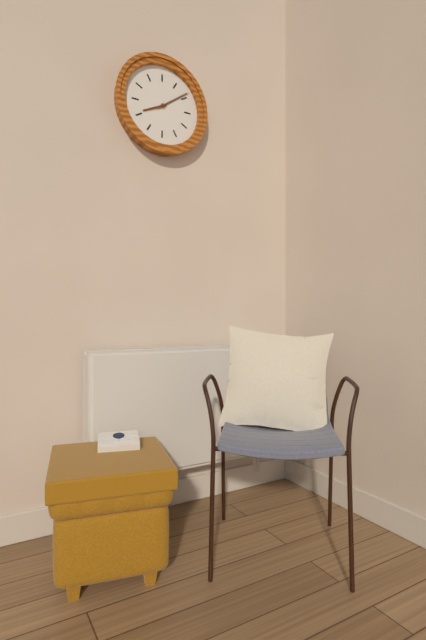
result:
8,09
